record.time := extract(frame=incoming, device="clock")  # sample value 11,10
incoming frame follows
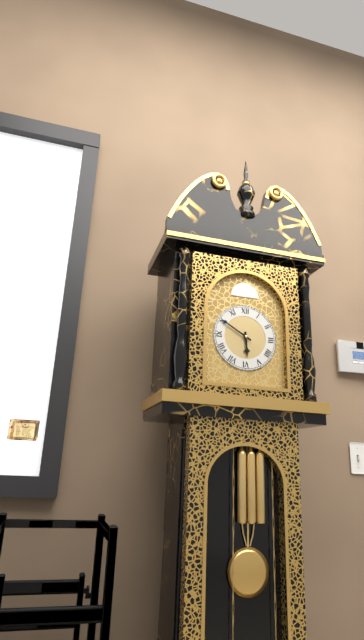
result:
5,50
